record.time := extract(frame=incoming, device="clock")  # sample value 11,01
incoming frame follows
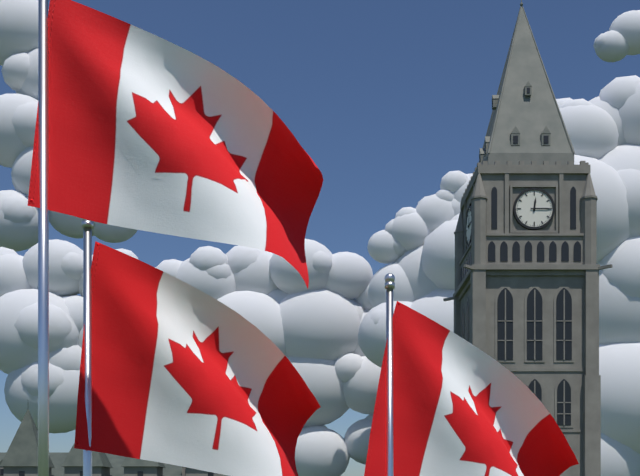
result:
12,15
